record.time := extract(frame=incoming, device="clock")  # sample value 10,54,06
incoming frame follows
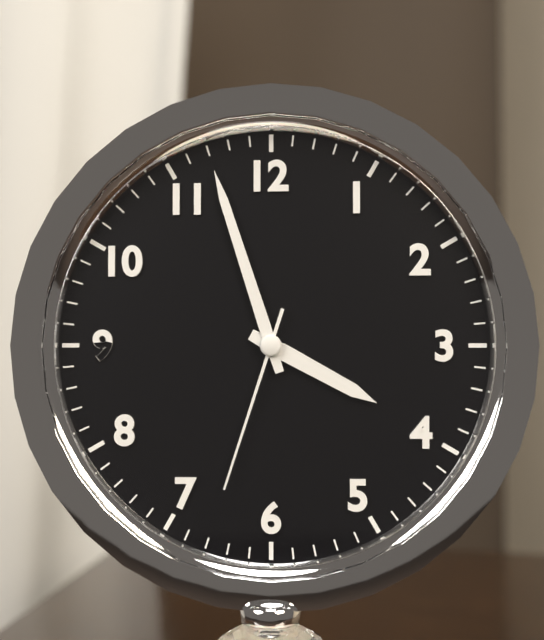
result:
3,57,33
